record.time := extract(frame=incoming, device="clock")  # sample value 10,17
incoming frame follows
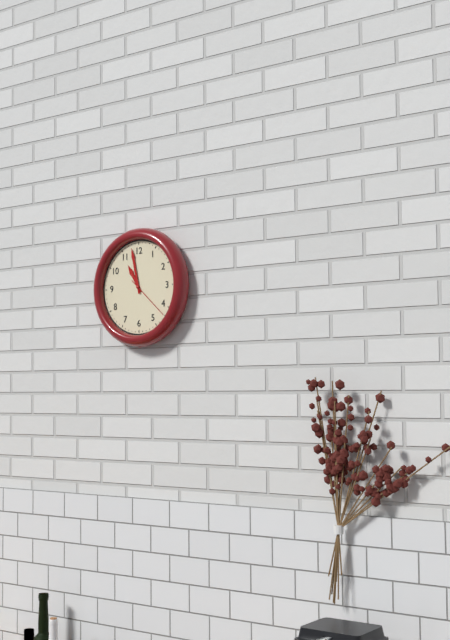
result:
10,58
